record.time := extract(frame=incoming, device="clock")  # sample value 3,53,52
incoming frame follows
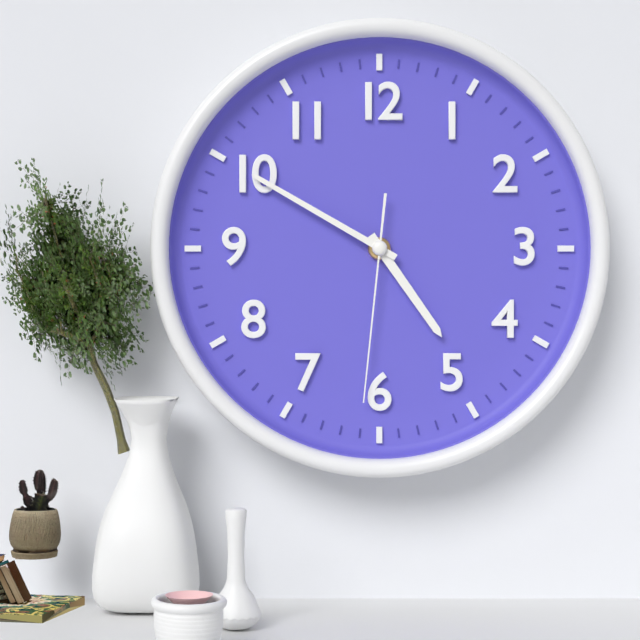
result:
4,50,31
